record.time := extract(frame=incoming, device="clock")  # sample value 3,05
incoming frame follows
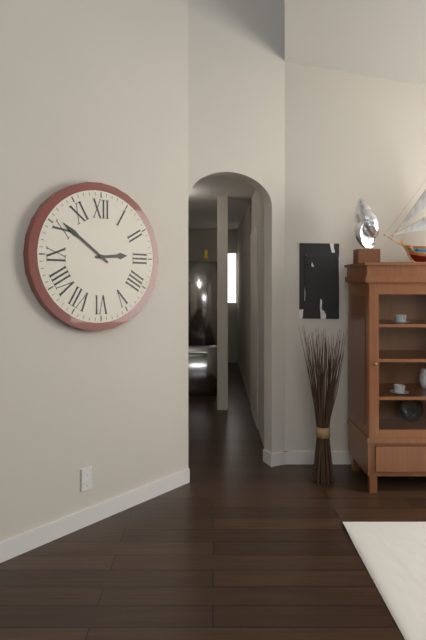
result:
2,51
